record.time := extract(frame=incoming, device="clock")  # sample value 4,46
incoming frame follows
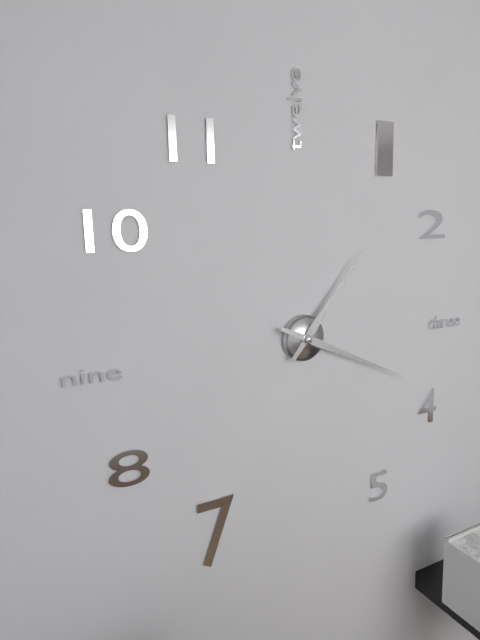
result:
1,19
